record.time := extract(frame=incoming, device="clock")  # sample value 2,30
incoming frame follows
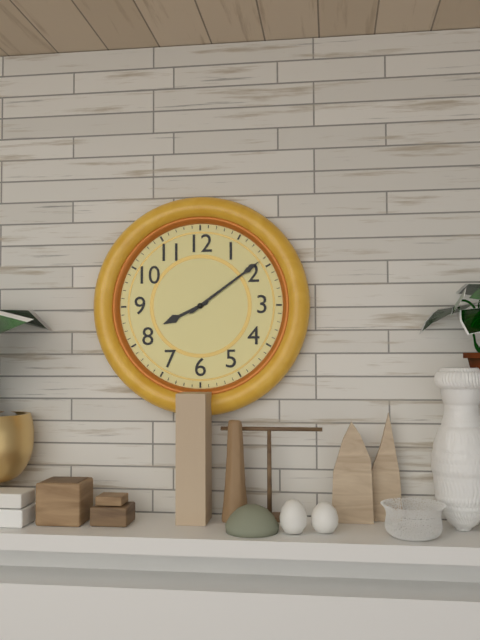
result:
8,09
